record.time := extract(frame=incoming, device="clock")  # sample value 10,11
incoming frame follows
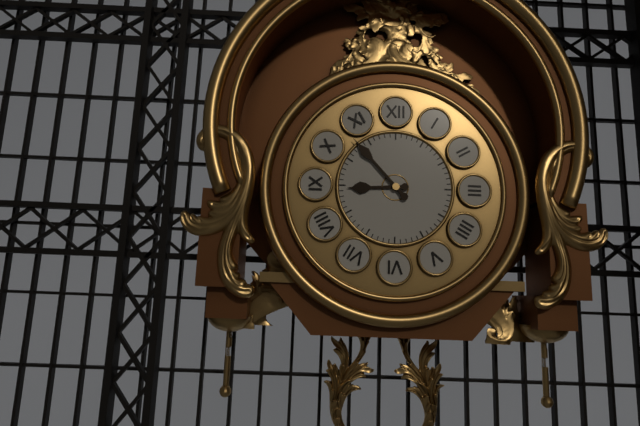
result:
8,53
